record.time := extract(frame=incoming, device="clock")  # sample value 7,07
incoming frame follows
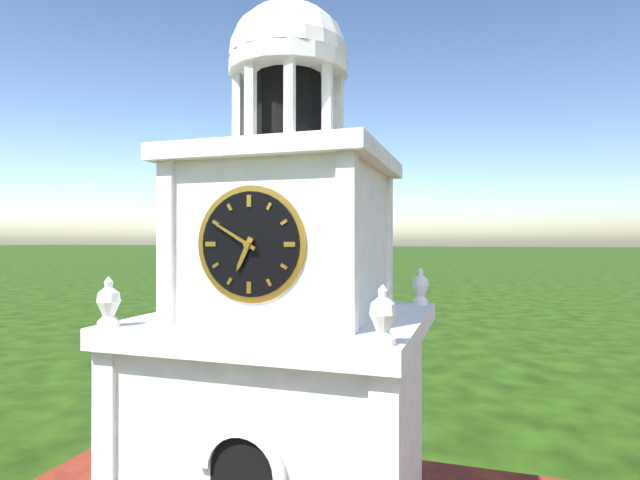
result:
6,50
